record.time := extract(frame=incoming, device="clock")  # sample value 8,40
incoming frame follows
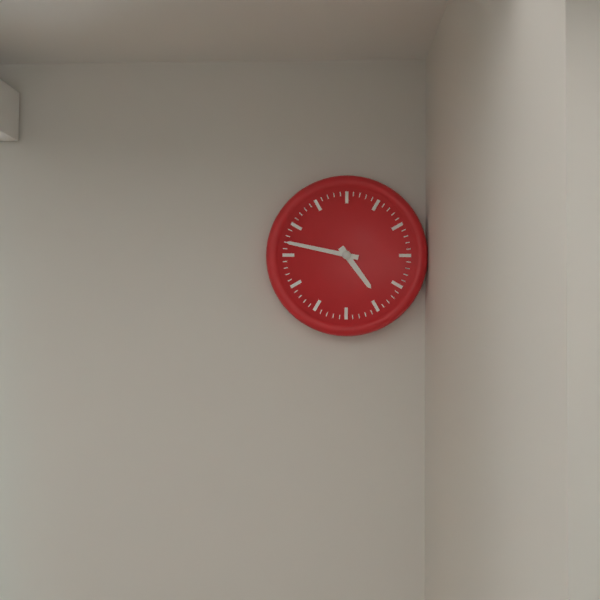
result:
4,47
